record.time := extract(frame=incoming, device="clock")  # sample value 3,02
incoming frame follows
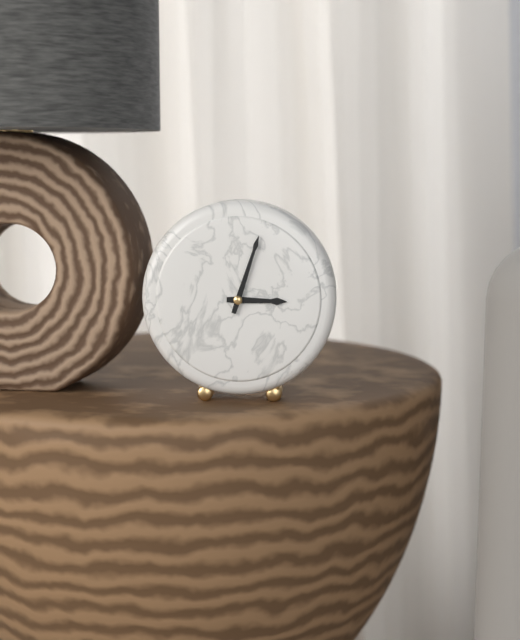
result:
3,03
